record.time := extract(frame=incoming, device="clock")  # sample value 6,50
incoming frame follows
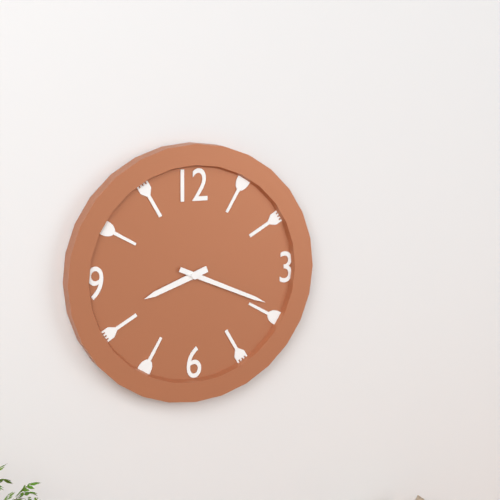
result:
8,19
